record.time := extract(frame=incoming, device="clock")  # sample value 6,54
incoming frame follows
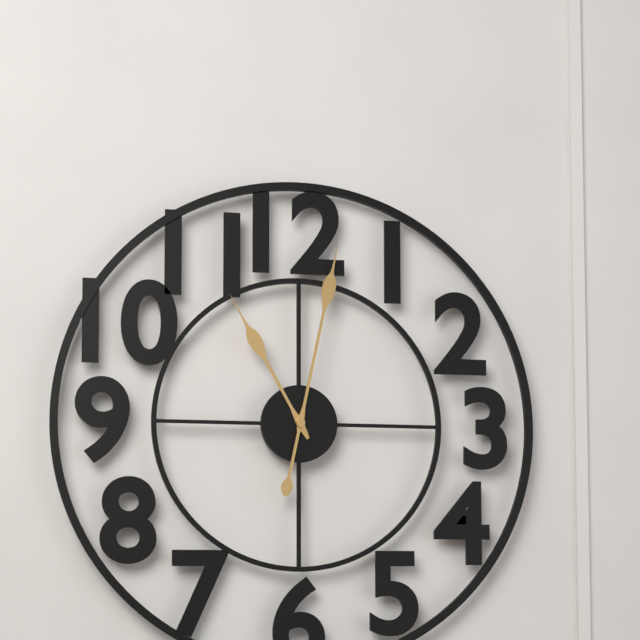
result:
11,02
